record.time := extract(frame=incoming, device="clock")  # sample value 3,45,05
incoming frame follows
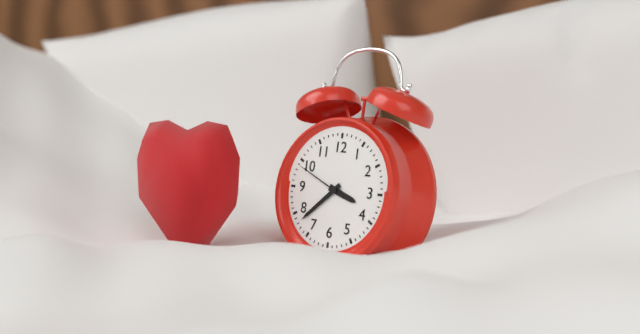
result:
3,38,49
